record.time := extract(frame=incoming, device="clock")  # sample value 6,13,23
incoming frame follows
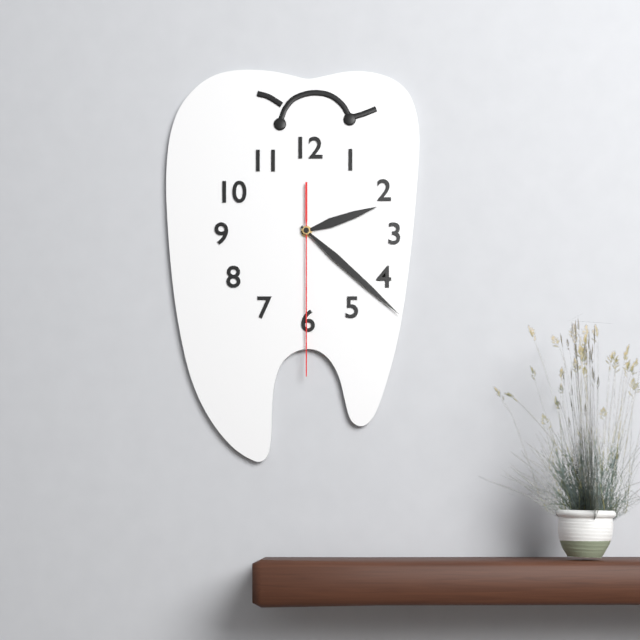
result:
2,22,30
